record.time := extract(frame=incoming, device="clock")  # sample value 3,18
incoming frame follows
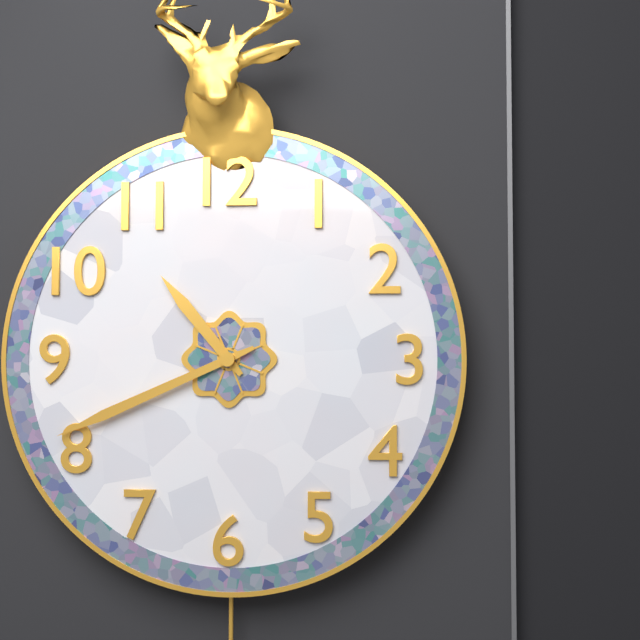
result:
10,41
